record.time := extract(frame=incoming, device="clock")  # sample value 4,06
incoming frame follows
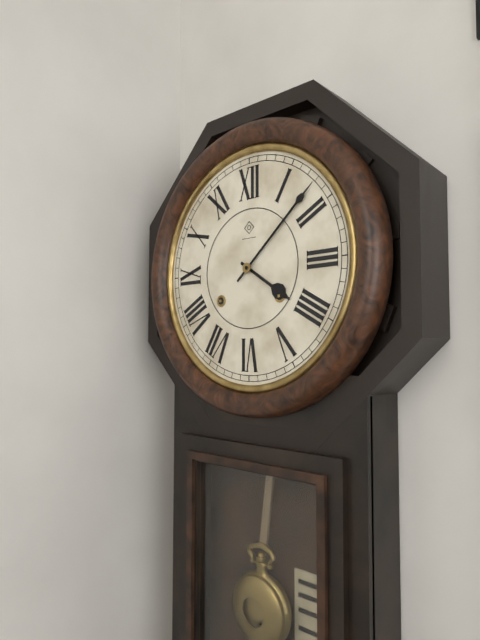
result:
4,08
